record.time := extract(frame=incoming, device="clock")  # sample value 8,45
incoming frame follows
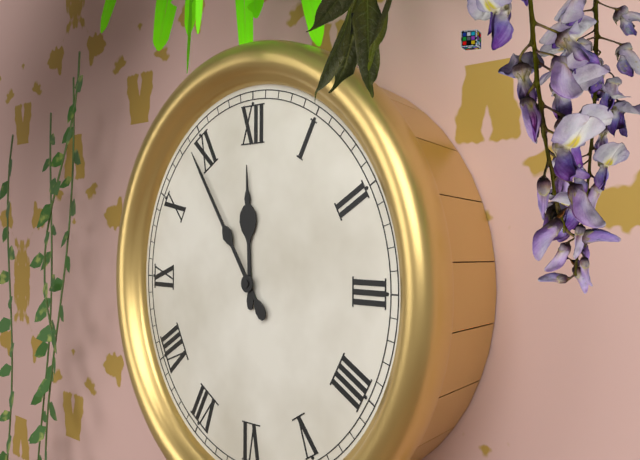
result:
11,54
